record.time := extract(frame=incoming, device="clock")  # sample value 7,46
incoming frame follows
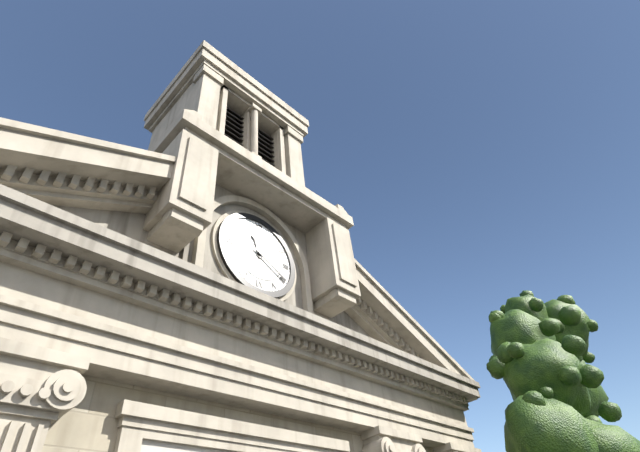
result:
11,20
